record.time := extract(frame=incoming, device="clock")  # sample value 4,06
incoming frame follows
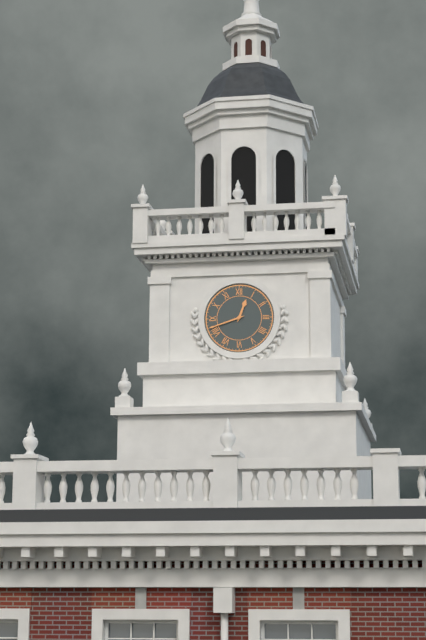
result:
12,42
